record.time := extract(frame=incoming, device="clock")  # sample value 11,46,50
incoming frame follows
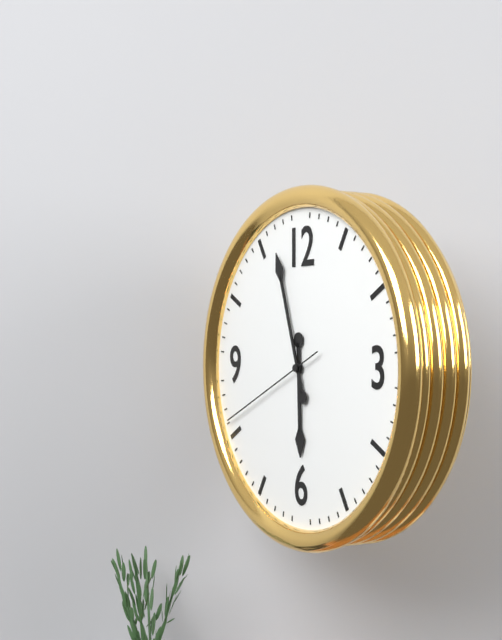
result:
5,57,41
